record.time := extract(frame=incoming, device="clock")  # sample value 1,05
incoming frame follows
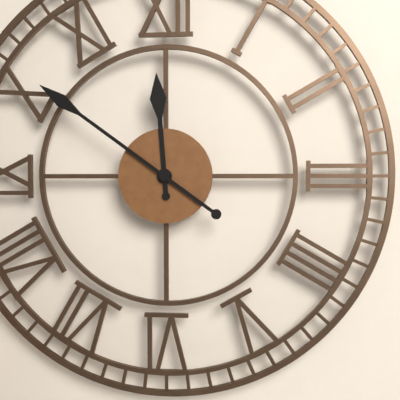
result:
11,51
